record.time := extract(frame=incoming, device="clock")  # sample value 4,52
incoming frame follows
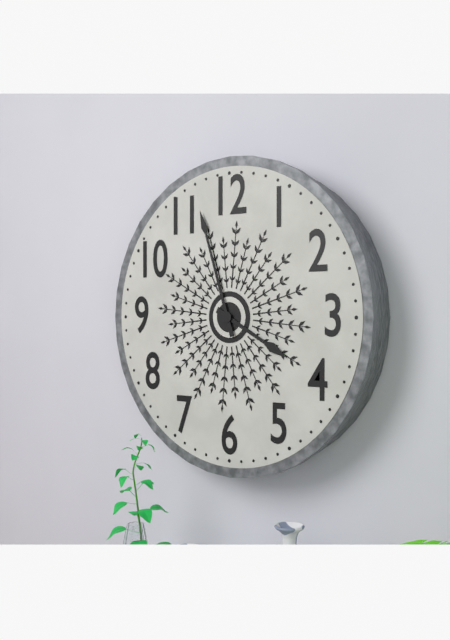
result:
3,57
